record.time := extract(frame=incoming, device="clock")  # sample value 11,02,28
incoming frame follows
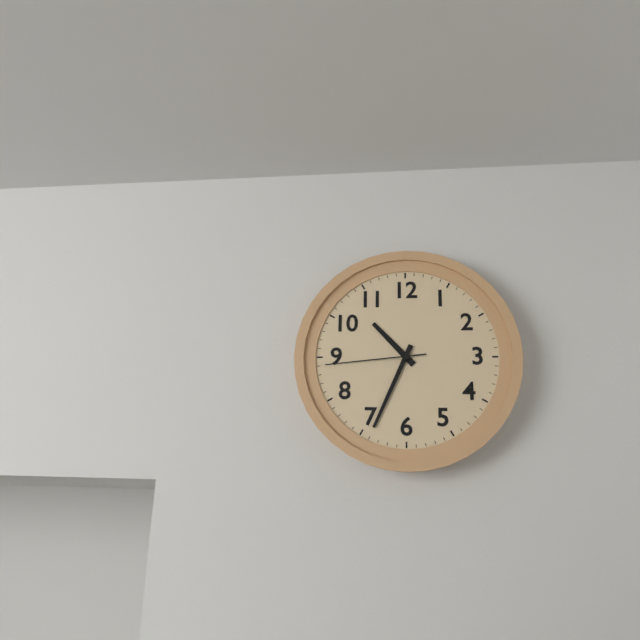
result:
10,34,44
